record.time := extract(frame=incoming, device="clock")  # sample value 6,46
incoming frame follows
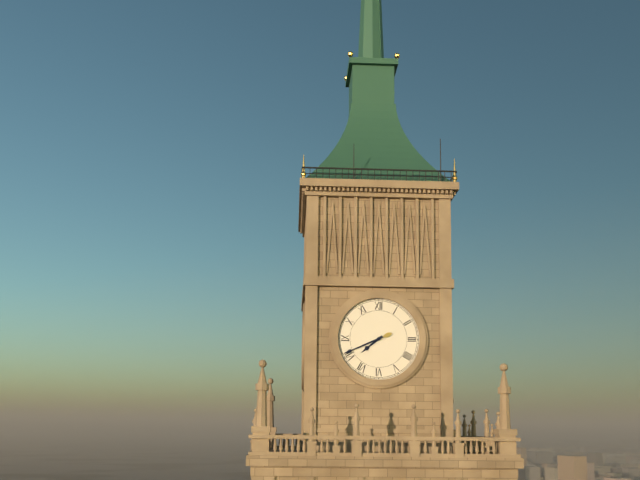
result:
7,41
